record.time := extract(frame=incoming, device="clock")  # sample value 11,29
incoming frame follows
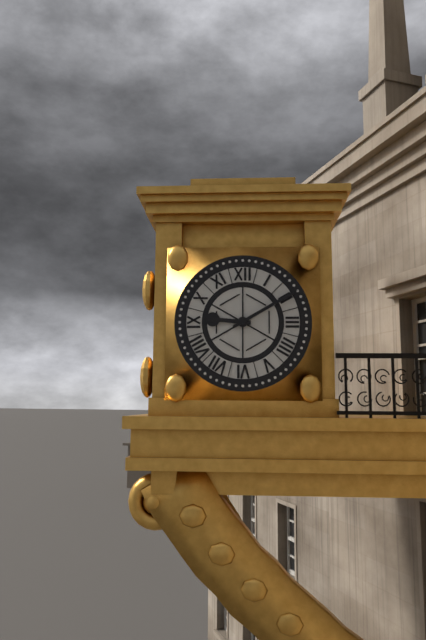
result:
9,10
